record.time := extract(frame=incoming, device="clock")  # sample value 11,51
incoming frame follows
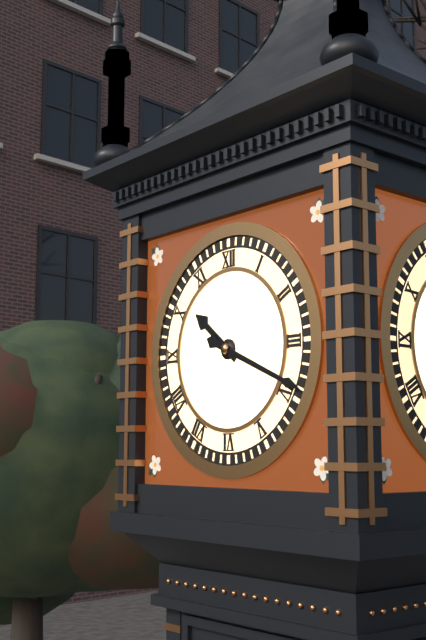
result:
10,19
